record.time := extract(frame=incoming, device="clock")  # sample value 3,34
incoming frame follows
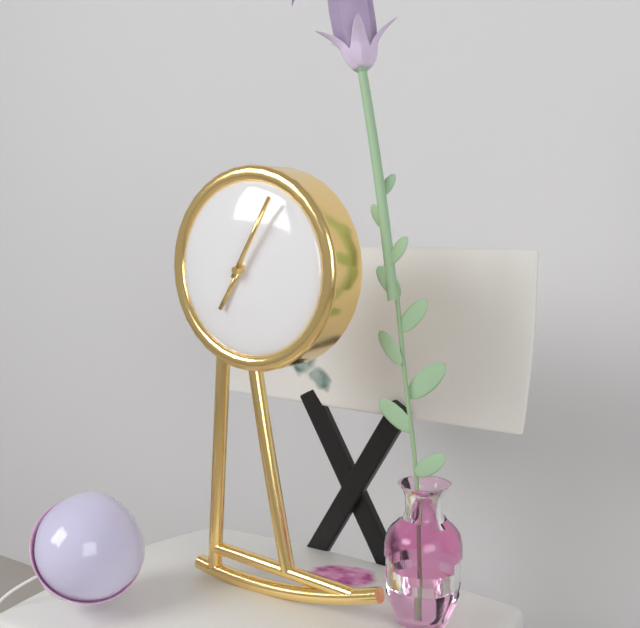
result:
7,05
